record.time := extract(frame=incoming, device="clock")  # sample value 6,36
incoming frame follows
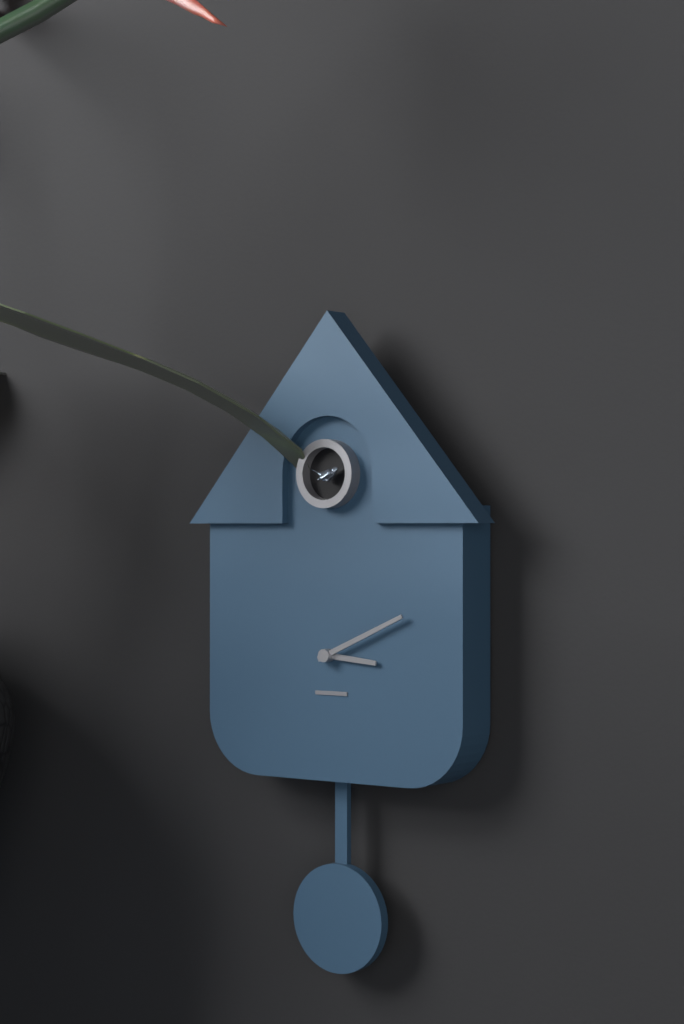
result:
3,11
